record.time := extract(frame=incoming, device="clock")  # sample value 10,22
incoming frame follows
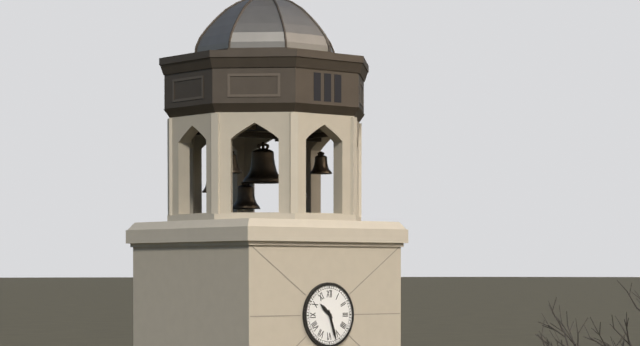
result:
10,27
